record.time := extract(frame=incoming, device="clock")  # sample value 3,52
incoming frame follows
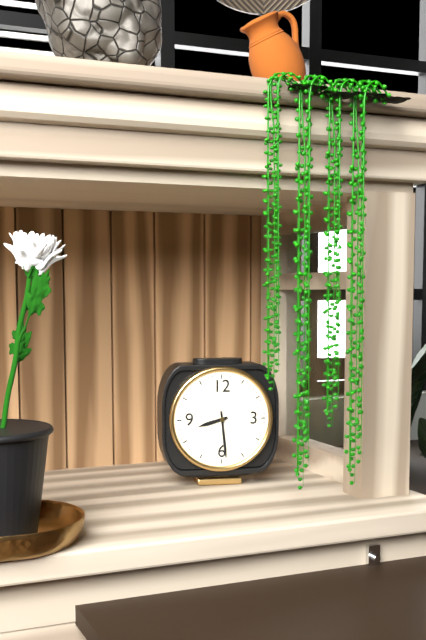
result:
8,29
